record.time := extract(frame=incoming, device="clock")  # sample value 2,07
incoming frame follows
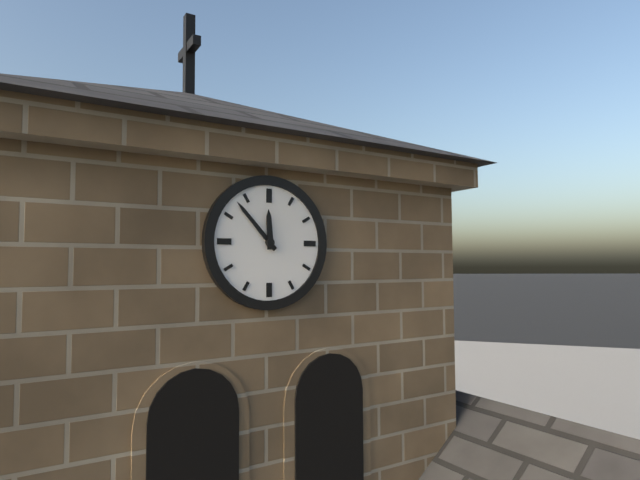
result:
11,53
